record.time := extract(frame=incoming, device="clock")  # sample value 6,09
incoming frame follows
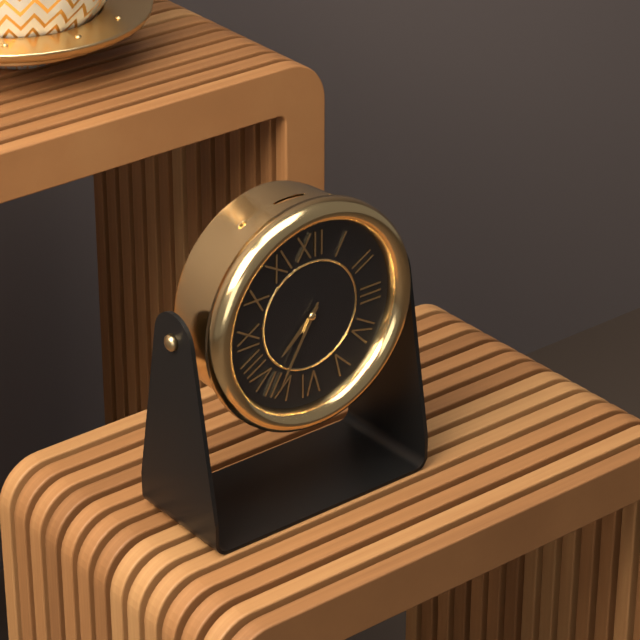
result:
7,35
